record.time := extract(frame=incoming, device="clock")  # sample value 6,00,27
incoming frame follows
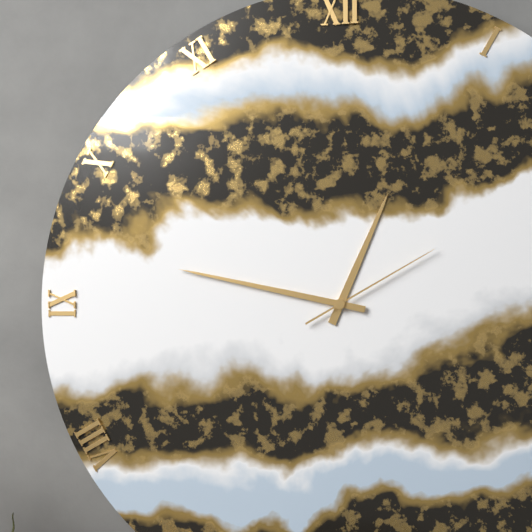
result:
12,47,10
